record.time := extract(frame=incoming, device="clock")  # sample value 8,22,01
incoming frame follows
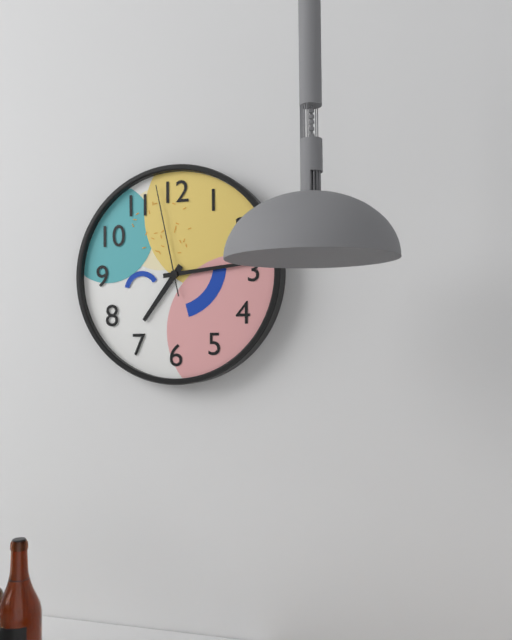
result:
7,14,58
